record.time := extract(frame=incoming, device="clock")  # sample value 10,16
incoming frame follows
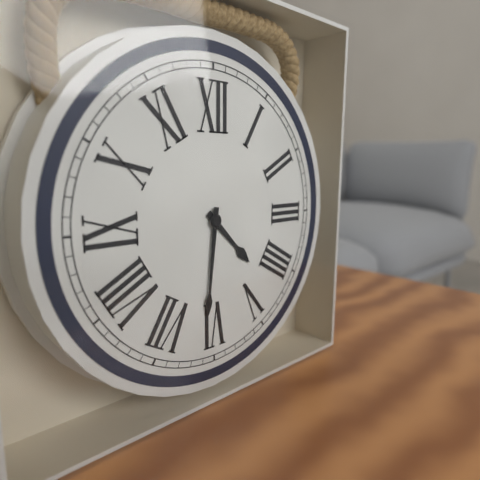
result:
4,31
